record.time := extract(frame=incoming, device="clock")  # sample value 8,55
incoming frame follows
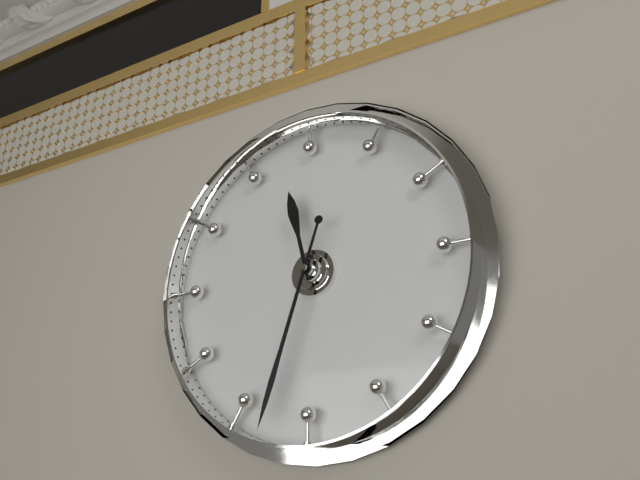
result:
11,33
